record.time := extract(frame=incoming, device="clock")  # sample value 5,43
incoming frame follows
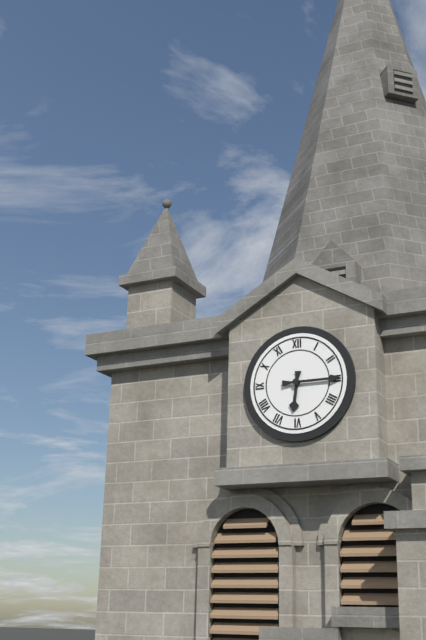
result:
6,15
